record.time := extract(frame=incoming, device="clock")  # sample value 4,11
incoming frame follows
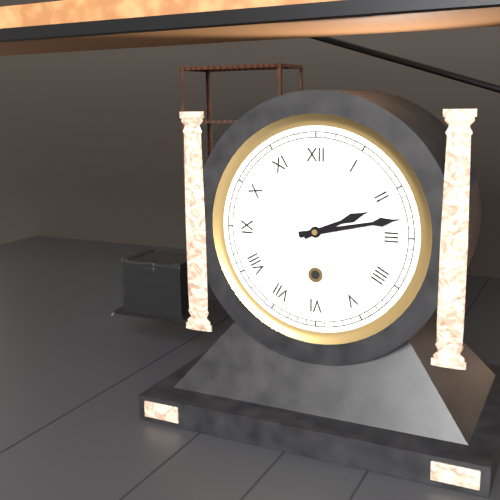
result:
2,13
